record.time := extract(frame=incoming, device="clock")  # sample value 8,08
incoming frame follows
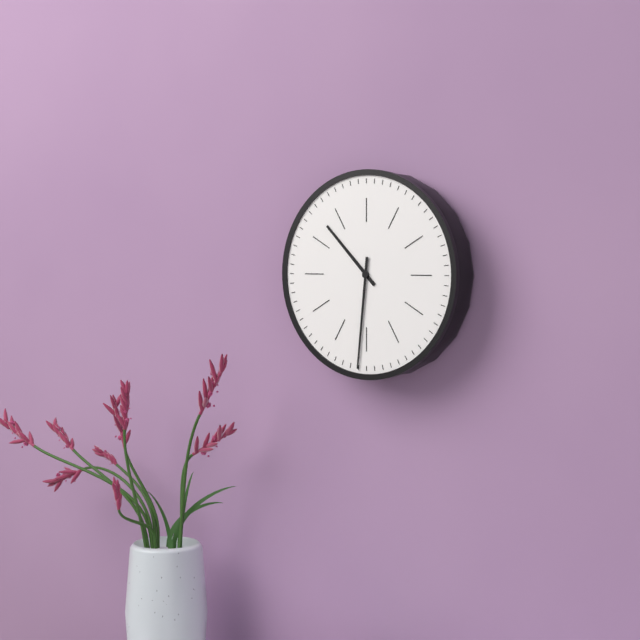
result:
10,31
